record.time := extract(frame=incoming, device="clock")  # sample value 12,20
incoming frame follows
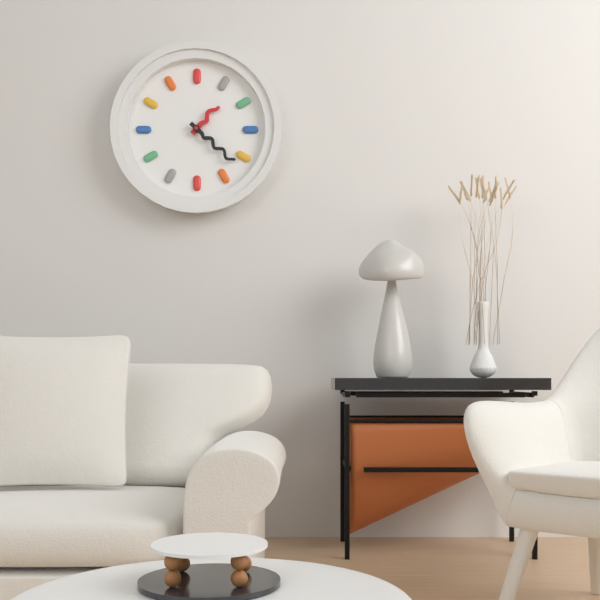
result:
1,22
